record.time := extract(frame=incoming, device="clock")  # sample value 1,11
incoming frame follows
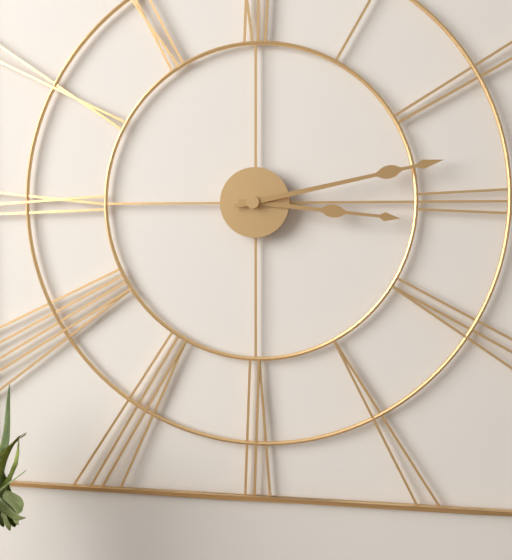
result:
3,13
